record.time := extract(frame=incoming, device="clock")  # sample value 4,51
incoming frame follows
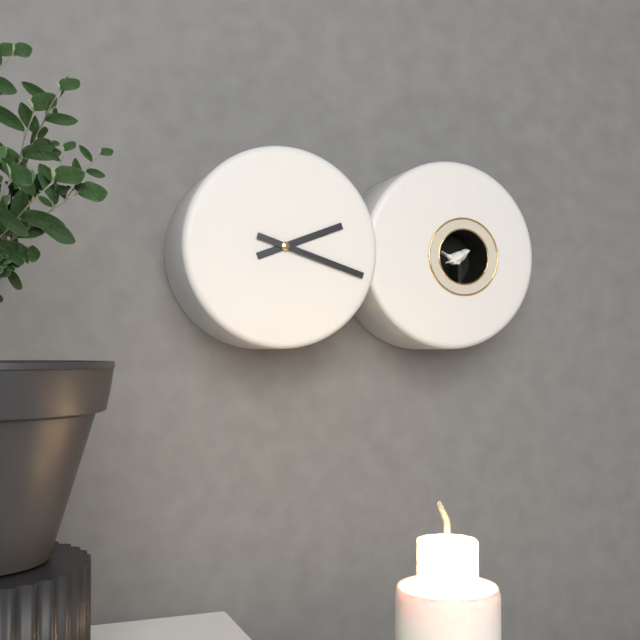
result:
2,18
